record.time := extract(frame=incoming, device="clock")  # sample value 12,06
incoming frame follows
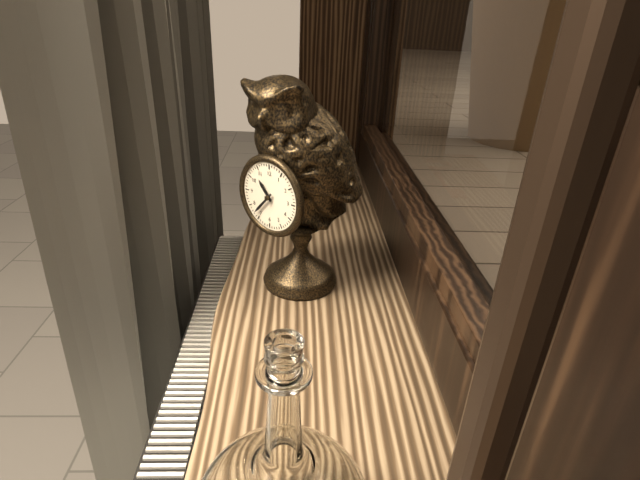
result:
10,37
